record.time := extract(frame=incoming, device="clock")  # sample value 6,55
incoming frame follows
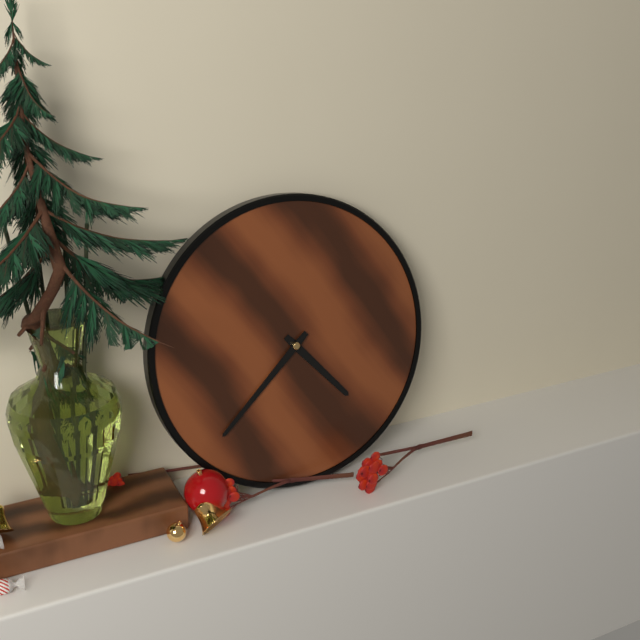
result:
4,38
